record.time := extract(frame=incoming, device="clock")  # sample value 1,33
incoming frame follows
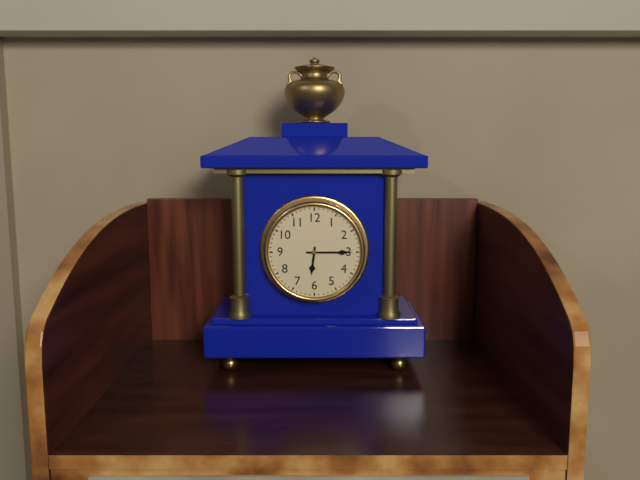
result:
6,15
